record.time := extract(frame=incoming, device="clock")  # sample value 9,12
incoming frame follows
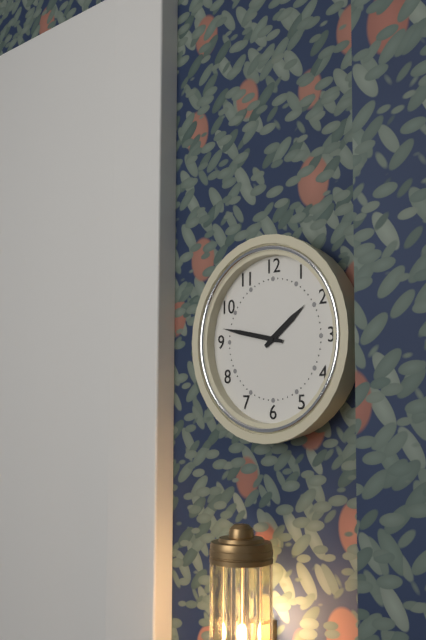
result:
1,47
